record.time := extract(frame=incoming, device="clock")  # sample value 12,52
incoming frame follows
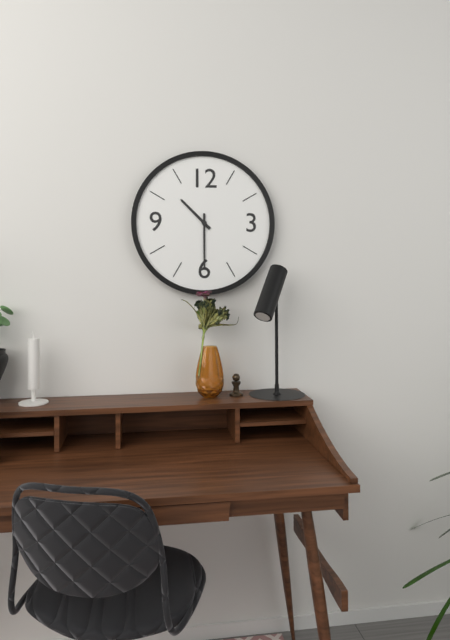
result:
10,30
